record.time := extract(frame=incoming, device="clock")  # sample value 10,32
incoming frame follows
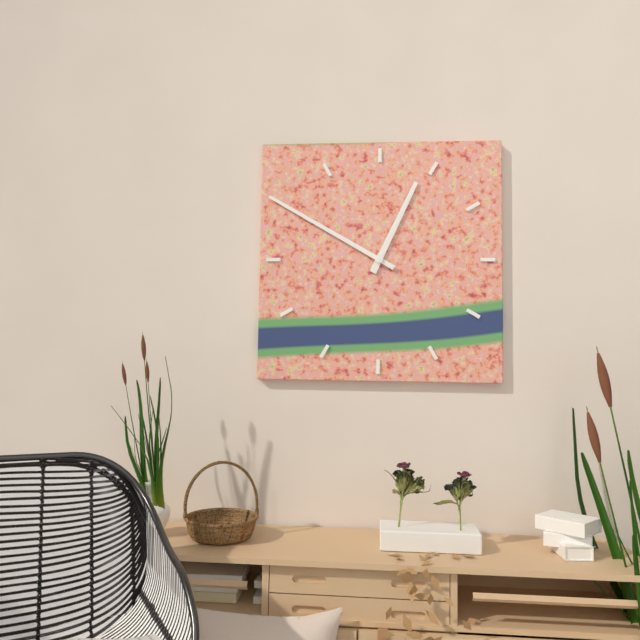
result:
12,50
